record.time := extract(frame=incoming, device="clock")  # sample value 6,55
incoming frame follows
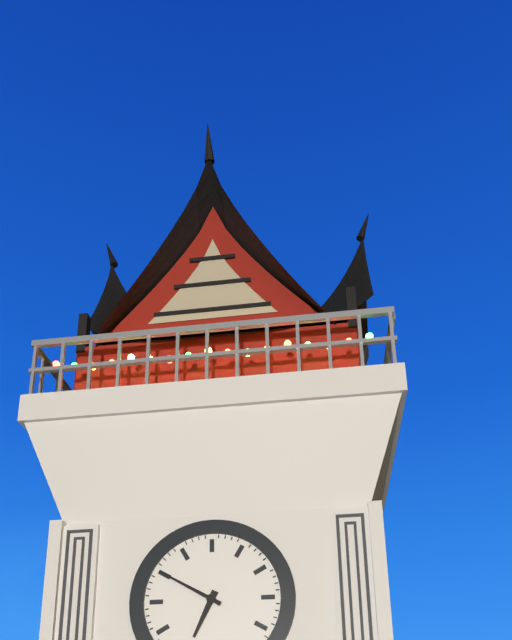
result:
6,50
